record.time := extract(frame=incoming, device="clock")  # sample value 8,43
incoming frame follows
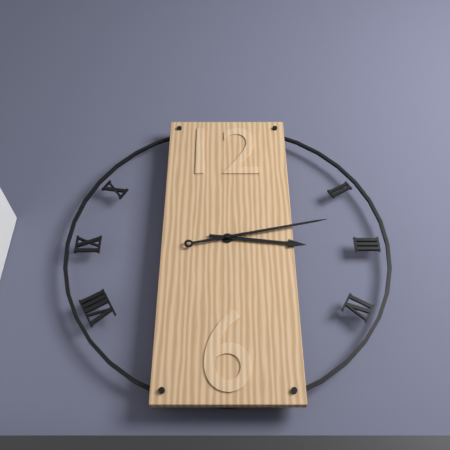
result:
3,13
